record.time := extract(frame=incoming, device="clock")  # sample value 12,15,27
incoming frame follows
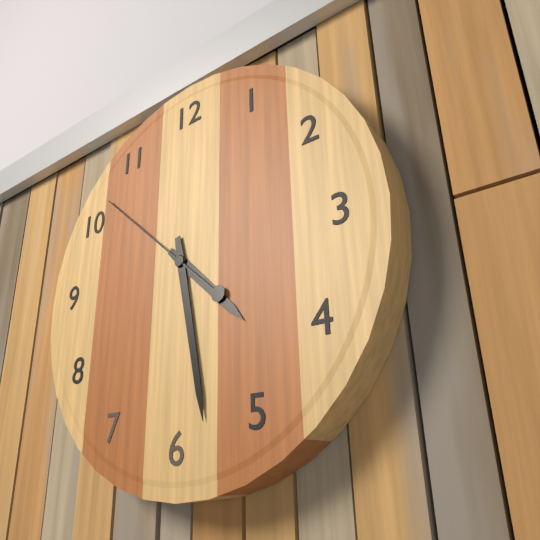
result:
4,28,52
